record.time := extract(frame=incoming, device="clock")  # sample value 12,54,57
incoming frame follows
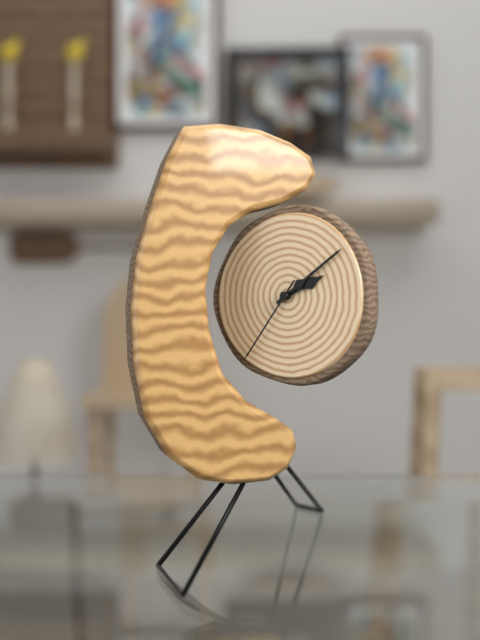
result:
2,09,36
